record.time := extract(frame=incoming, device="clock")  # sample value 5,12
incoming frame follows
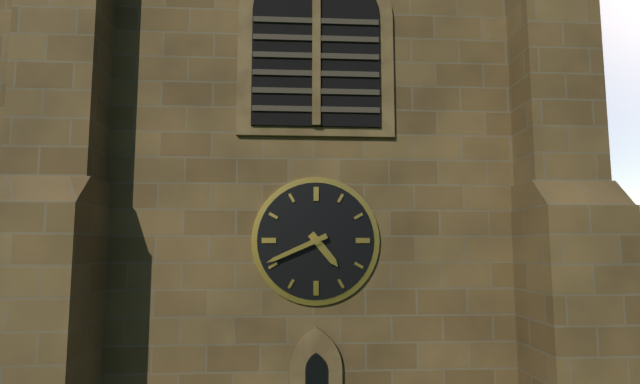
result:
4,41
